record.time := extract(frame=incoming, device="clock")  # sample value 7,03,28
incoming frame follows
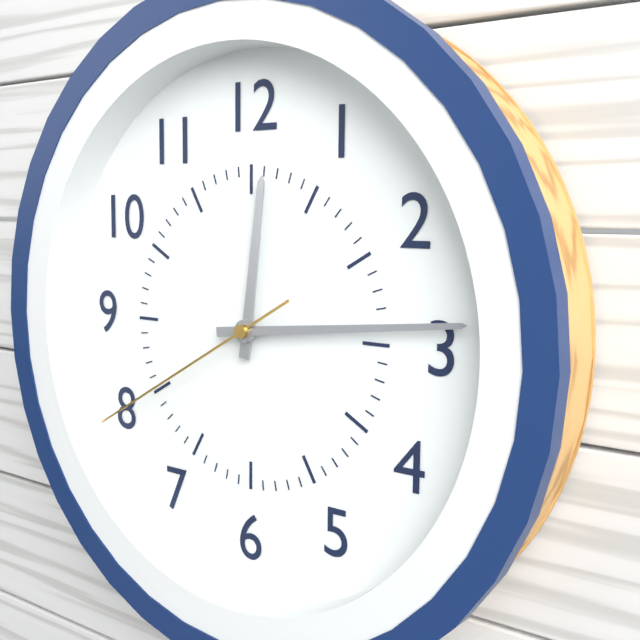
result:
12,14,40
